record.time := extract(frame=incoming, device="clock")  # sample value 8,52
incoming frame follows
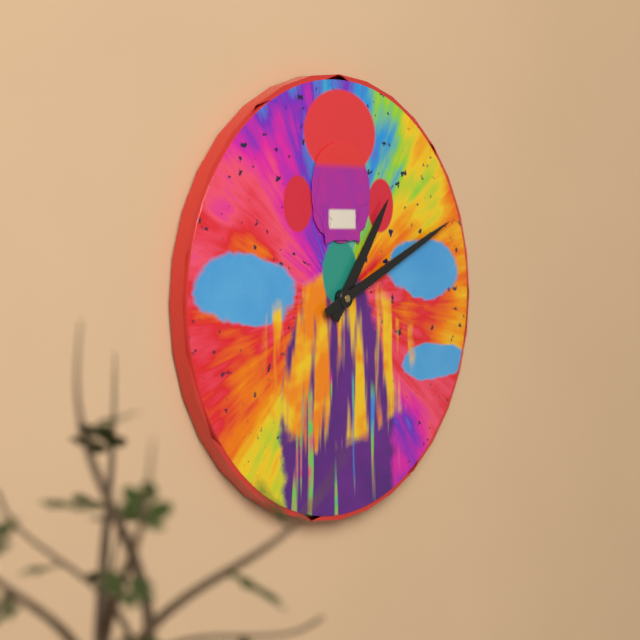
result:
1,11
